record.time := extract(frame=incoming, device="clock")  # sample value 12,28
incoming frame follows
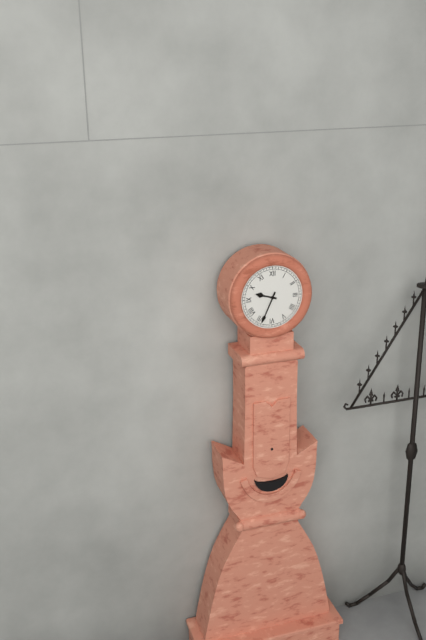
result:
9,34
